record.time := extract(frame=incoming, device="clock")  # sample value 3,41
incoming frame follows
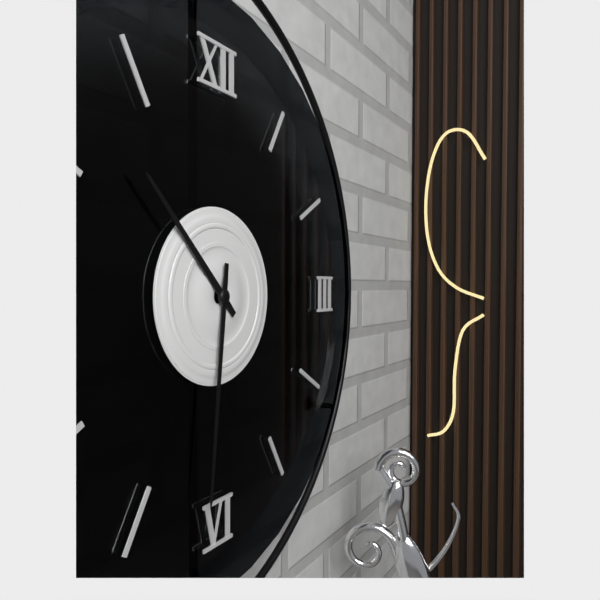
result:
10,31
